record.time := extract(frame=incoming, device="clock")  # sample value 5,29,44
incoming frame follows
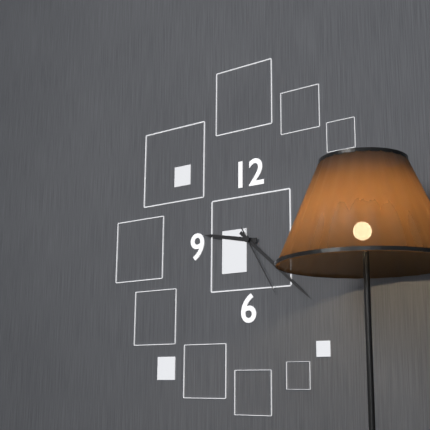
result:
9,22,25
